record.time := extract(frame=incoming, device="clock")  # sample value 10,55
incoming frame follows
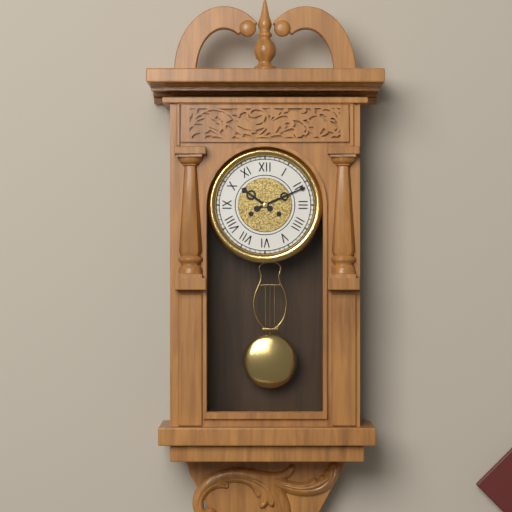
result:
10,11
